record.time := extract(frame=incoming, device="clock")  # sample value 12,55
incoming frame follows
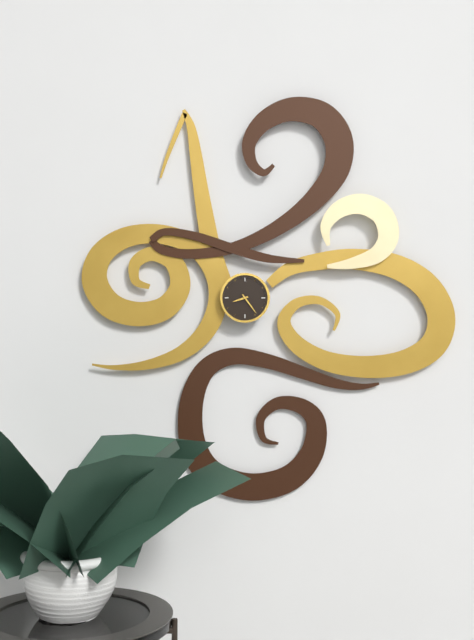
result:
8,24
